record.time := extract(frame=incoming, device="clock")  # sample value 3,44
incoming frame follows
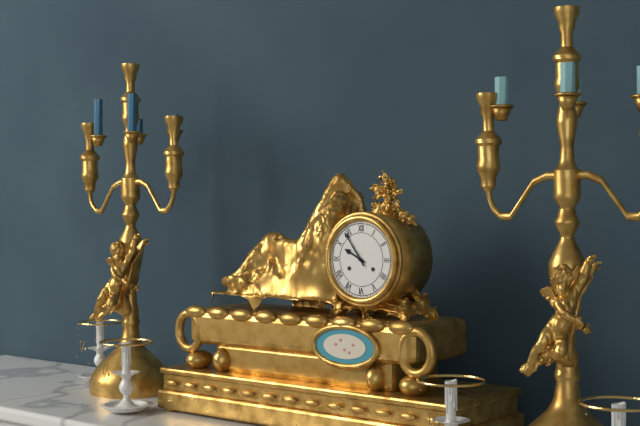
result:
9,54
